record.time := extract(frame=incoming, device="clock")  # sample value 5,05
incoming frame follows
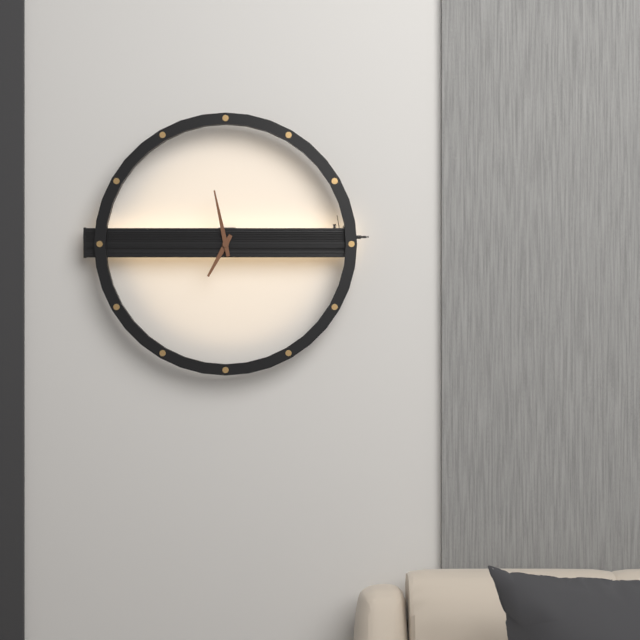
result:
6,58
